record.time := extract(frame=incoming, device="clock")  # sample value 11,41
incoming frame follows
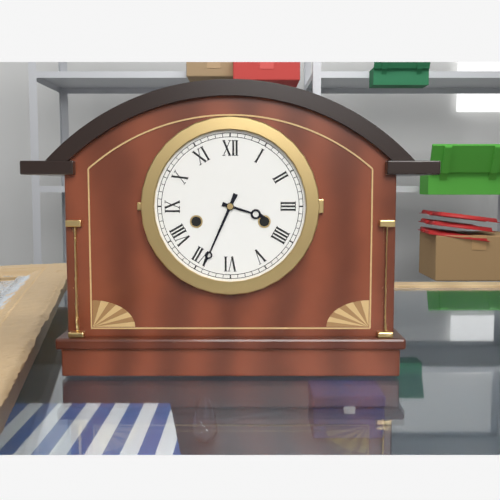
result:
3,34
